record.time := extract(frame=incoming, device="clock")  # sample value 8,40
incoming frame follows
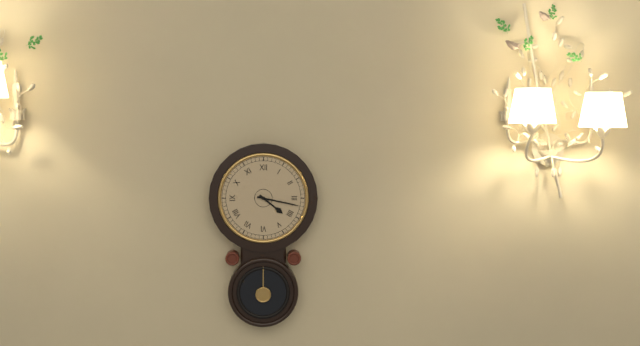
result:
4,17
